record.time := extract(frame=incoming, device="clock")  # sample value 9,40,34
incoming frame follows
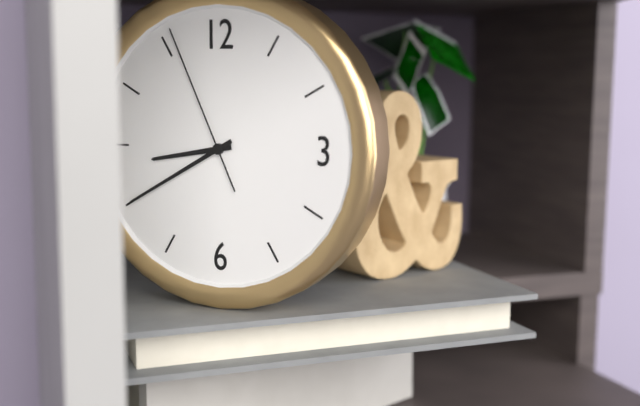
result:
8,40,56
